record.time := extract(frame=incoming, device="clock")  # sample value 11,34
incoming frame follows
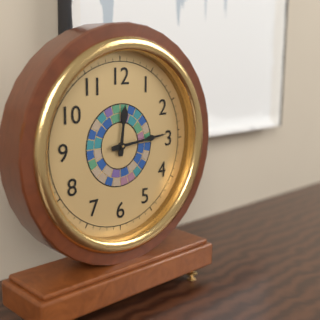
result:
12,14
